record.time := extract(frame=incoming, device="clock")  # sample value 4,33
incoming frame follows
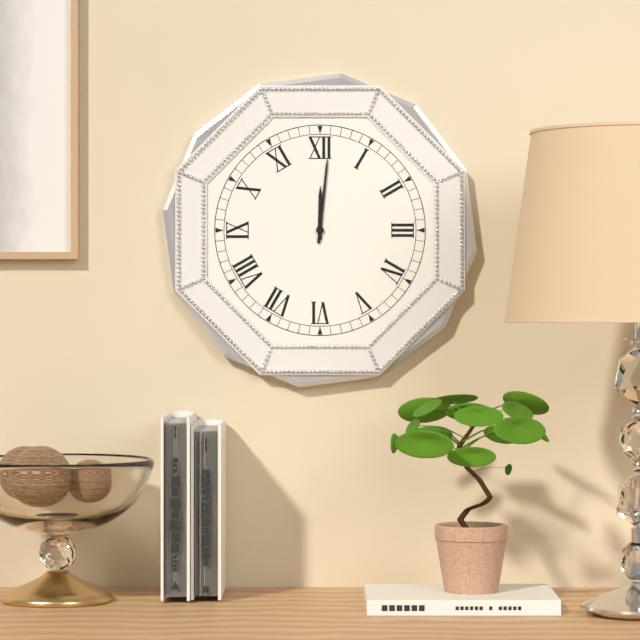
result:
12,01
